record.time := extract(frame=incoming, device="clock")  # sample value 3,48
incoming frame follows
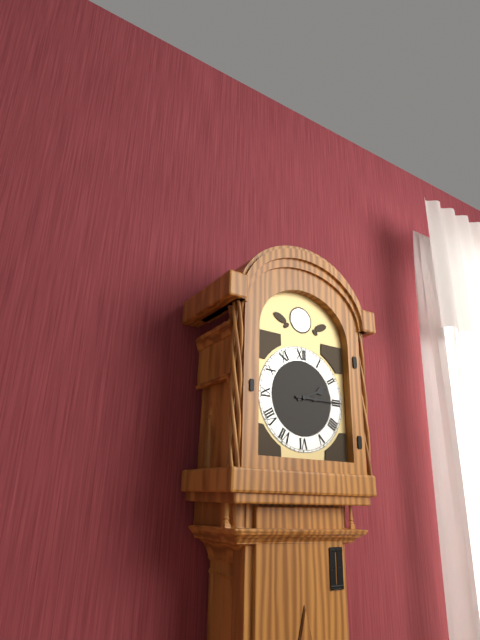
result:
2,15
